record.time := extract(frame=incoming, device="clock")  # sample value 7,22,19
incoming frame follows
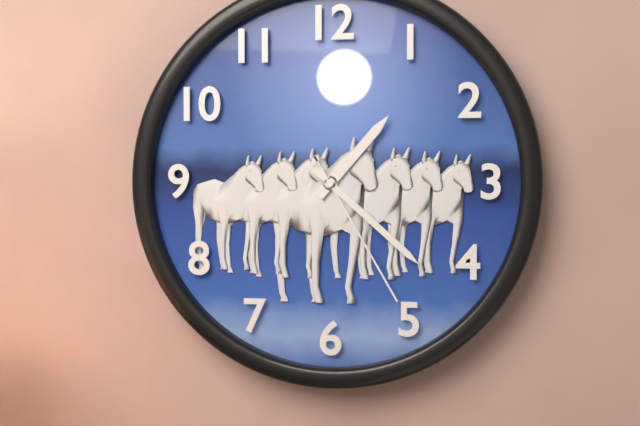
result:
1,22,25
